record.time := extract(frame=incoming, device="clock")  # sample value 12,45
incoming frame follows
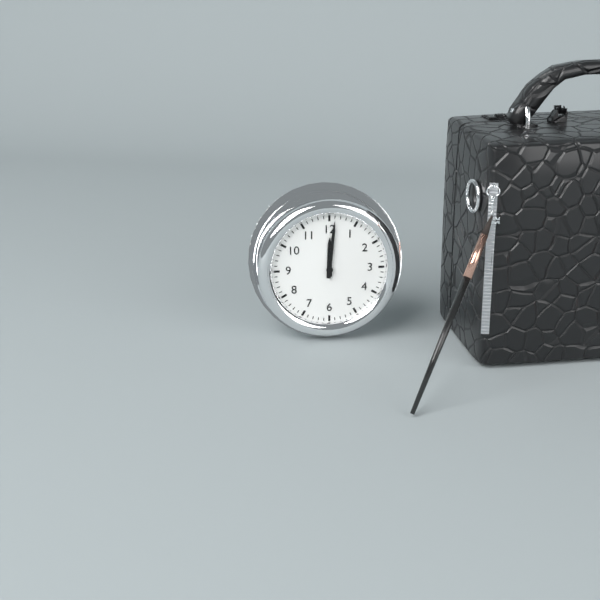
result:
12,01
